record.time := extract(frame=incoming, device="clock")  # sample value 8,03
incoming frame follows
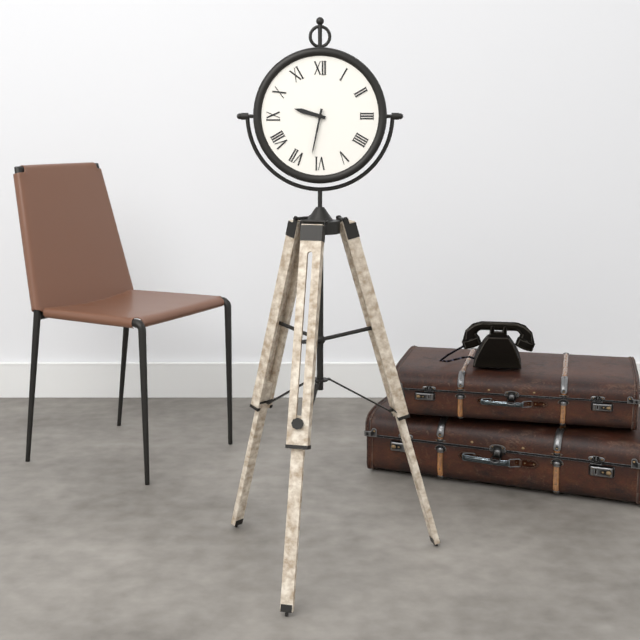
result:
9,32
